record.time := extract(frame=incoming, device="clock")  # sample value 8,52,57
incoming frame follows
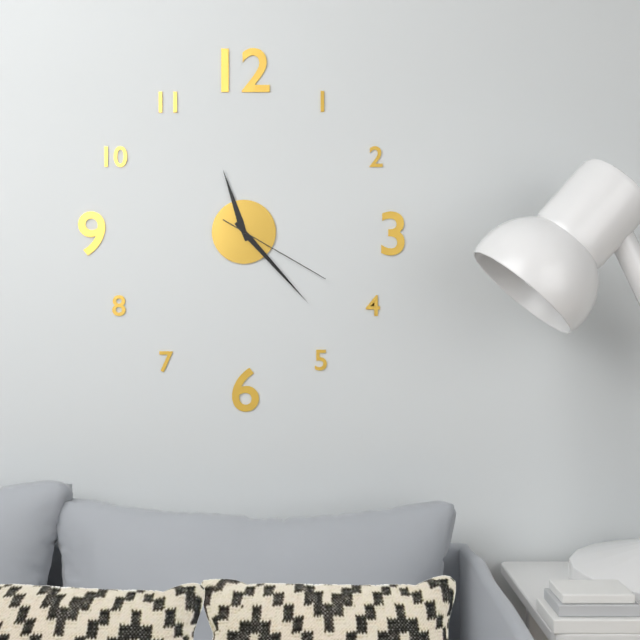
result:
11,23,20
